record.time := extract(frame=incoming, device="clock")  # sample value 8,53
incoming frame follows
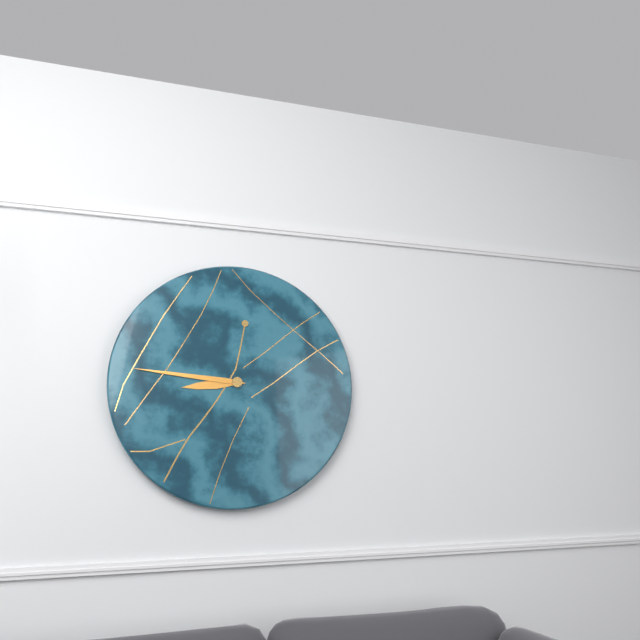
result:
8,46
